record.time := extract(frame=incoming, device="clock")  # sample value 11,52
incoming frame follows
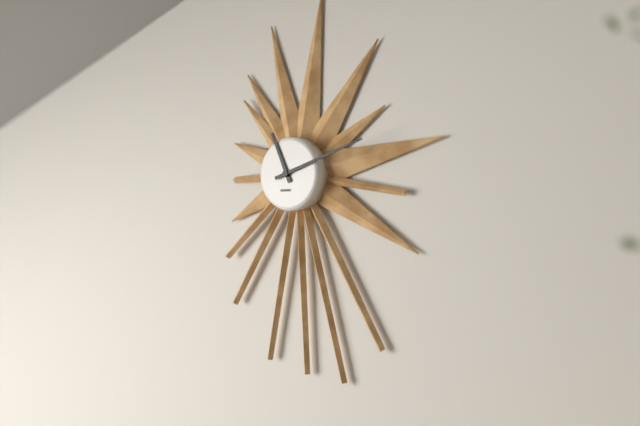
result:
11,12
